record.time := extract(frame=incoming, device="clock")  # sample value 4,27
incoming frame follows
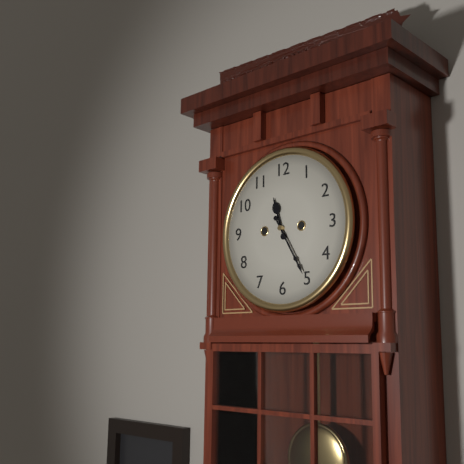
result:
11,25
